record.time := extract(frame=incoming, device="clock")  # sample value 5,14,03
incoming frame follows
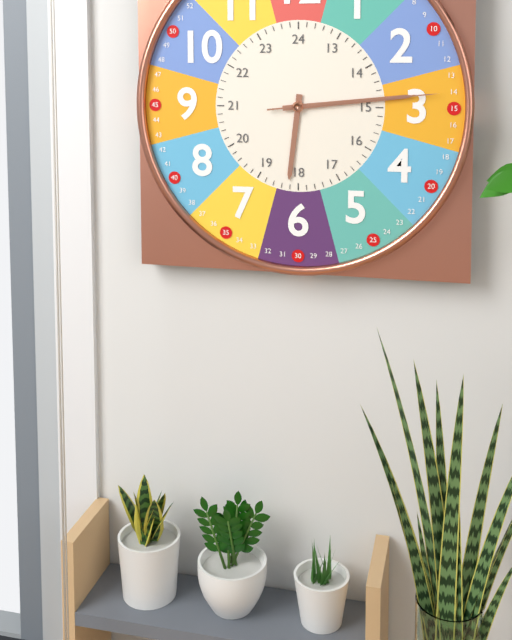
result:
6,14,14
